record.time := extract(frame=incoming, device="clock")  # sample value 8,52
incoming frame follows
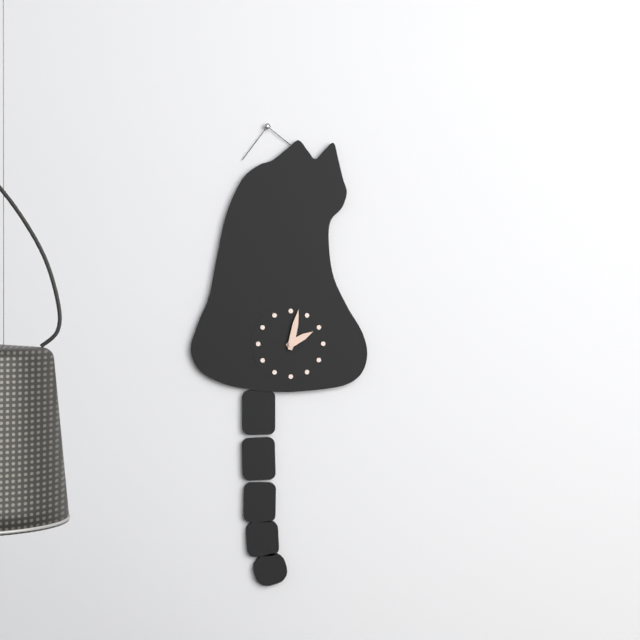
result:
2,02
